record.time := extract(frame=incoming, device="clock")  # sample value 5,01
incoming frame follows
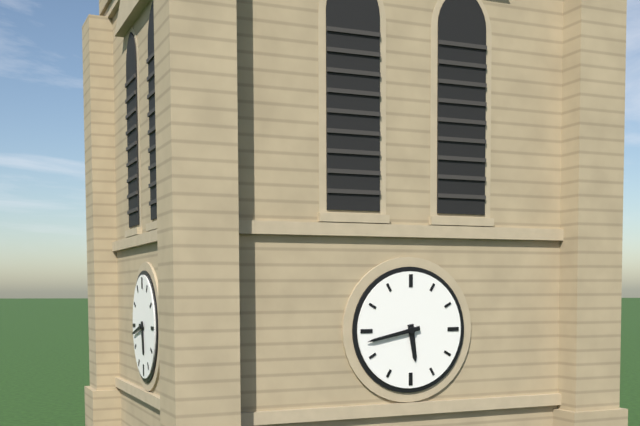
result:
5,43
